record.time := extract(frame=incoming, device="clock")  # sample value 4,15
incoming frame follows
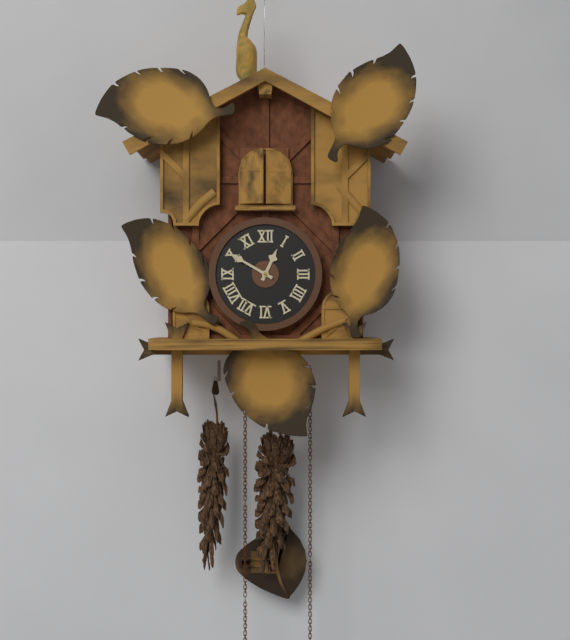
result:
12,50
